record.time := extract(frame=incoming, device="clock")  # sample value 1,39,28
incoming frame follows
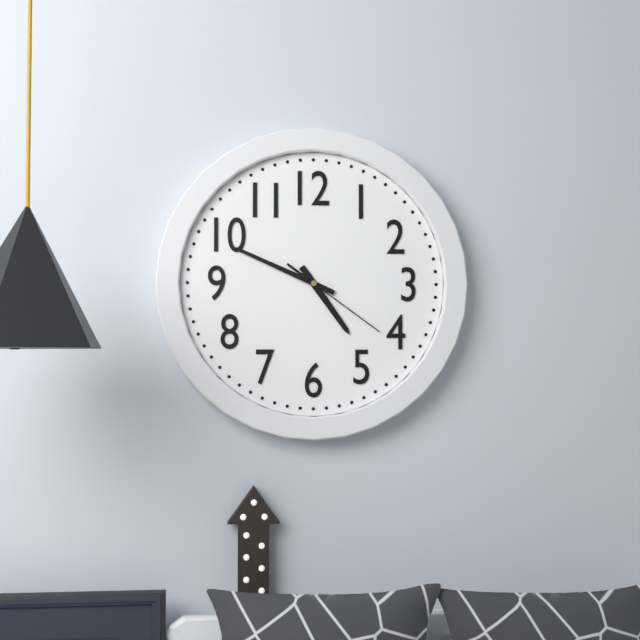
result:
4,49,21
